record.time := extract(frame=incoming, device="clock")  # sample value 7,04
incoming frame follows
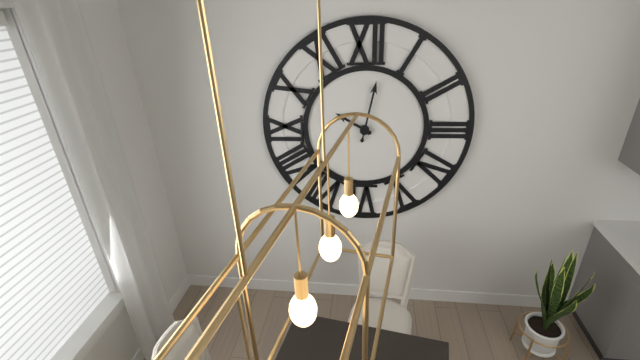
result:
10,02
